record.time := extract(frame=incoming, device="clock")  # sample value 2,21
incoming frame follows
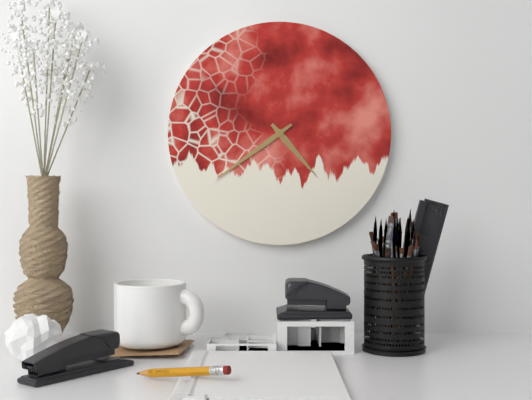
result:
4,39
